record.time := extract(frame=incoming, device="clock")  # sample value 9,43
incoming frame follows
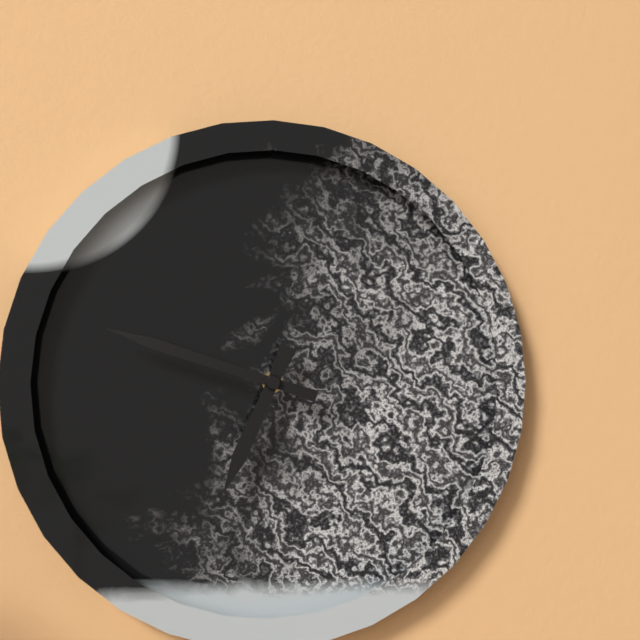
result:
6,48
